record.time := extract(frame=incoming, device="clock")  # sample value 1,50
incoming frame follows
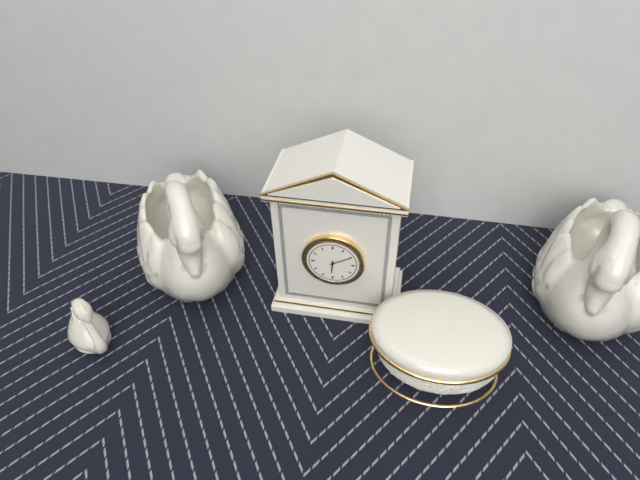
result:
6,10
